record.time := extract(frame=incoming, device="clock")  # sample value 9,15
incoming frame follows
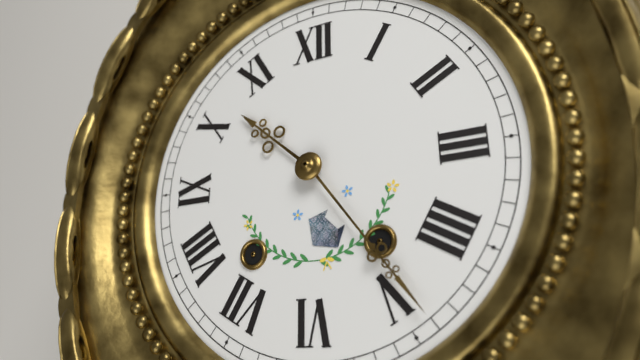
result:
10,24
